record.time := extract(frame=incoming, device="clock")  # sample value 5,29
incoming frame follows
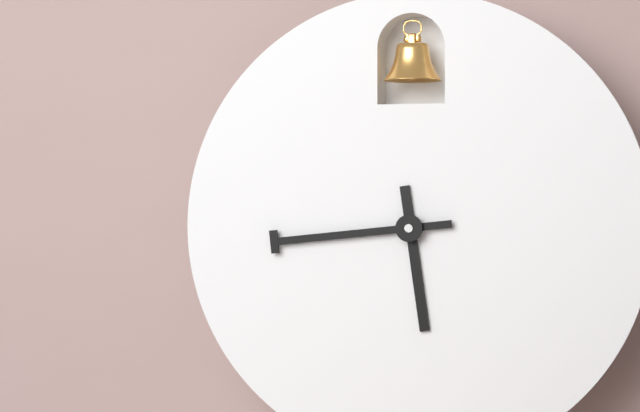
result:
5,44
